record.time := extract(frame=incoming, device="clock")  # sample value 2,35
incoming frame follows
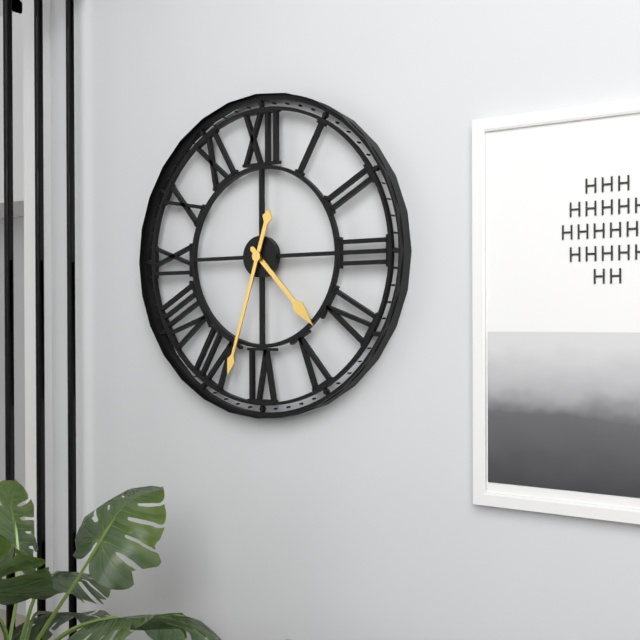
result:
4,33
